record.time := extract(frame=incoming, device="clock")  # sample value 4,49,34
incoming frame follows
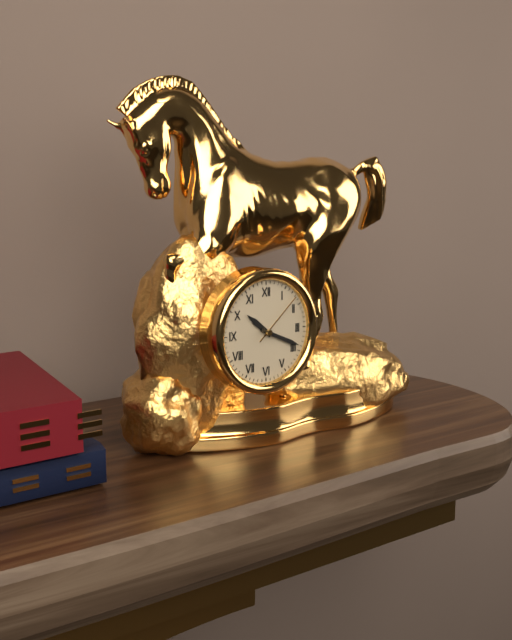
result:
10,19,08
